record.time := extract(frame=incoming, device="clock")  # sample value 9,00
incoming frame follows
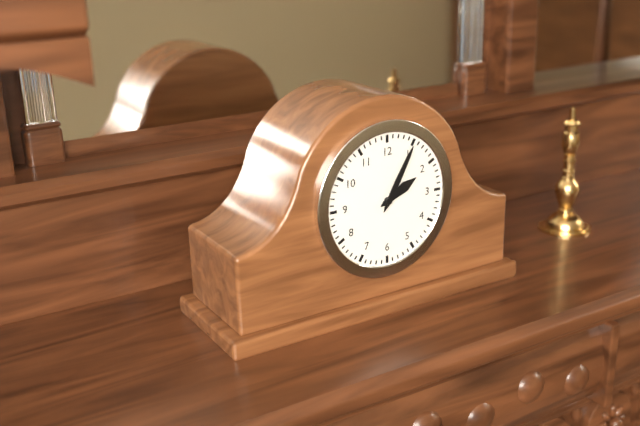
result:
2,05
